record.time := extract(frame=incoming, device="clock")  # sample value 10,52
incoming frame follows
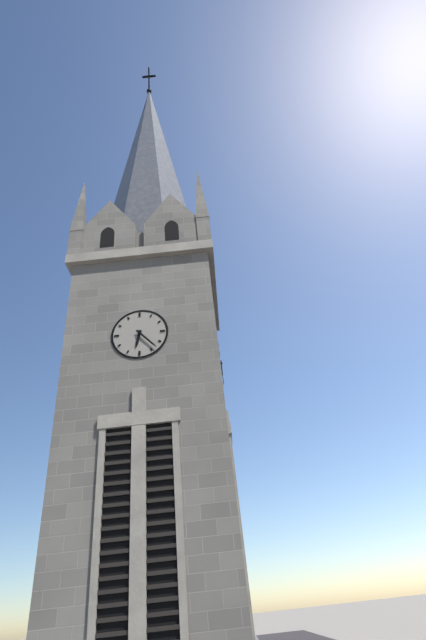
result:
6,23
